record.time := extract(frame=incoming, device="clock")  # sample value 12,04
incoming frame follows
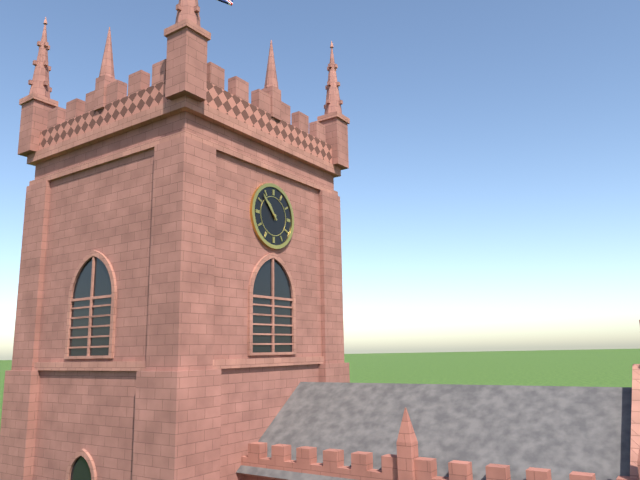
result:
10,53
